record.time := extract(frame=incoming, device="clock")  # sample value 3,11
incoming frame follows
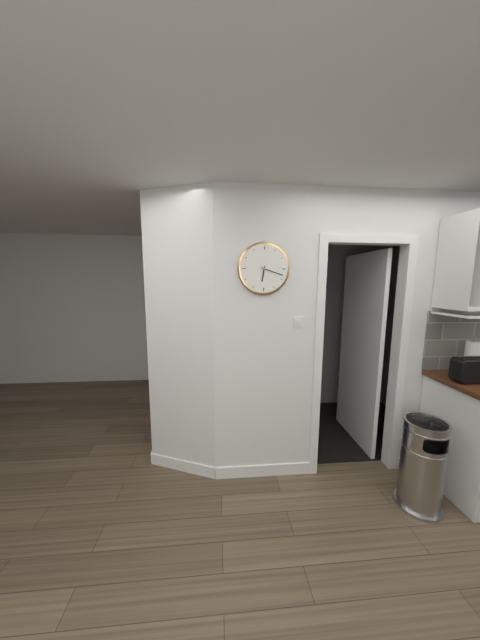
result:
6,18
